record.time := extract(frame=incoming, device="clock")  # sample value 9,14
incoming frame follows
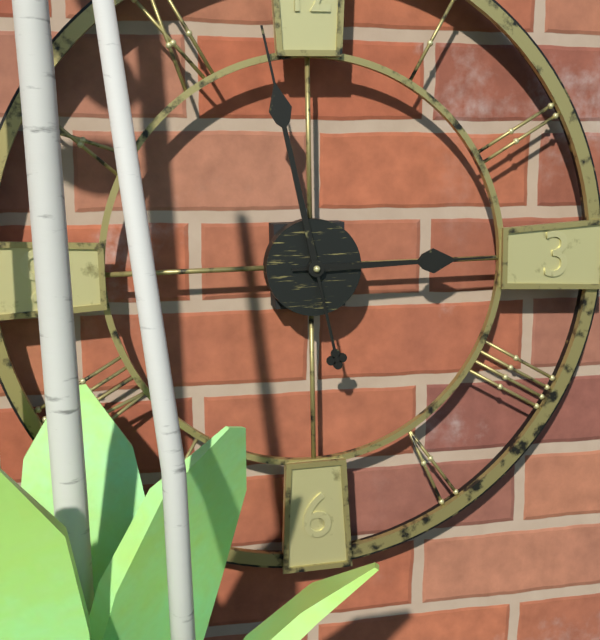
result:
2,58
